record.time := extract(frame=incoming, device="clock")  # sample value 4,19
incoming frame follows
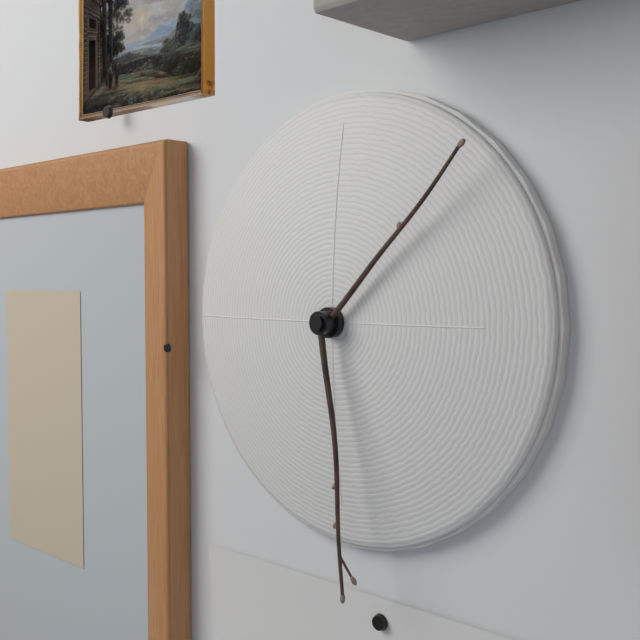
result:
1,29
